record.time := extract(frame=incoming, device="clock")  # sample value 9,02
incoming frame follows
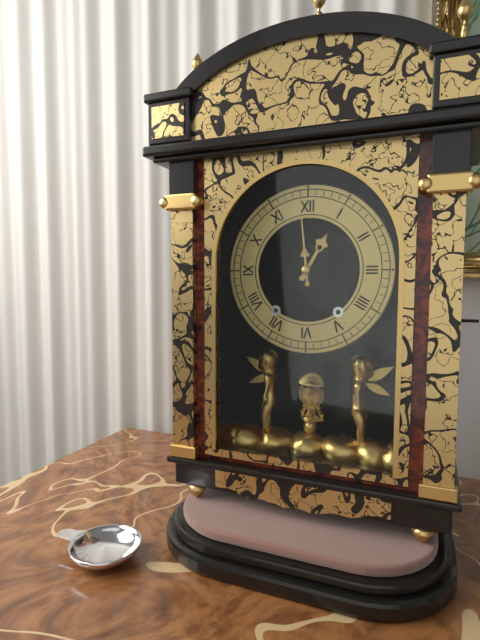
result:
12,59
